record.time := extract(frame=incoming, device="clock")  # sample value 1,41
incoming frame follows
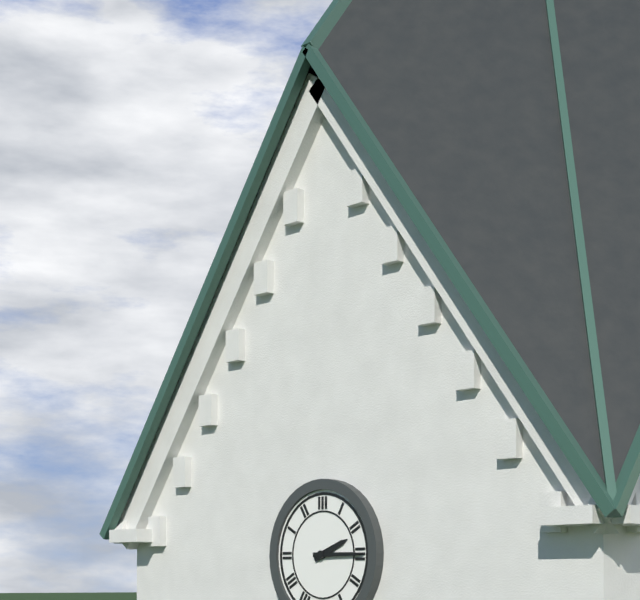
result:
2,15
